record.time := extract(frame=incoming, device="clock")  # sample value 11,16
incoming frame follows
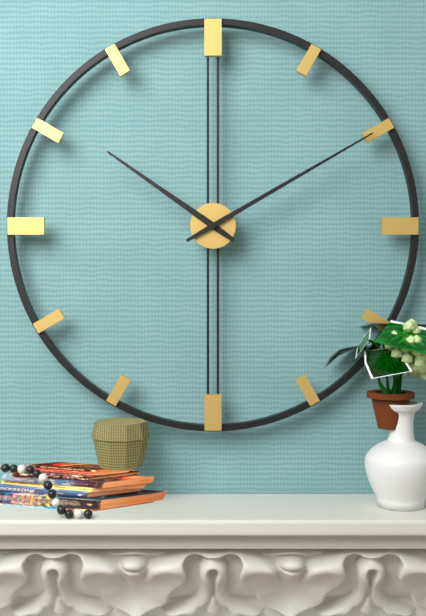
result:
10,10
